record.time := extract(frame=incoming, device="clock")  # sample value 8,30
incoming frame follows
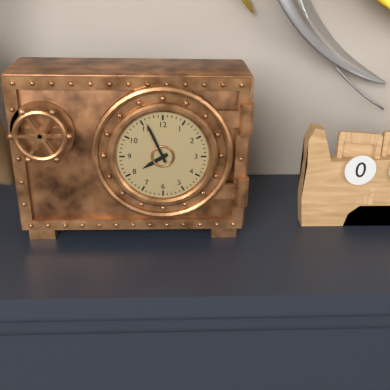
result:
7,56
